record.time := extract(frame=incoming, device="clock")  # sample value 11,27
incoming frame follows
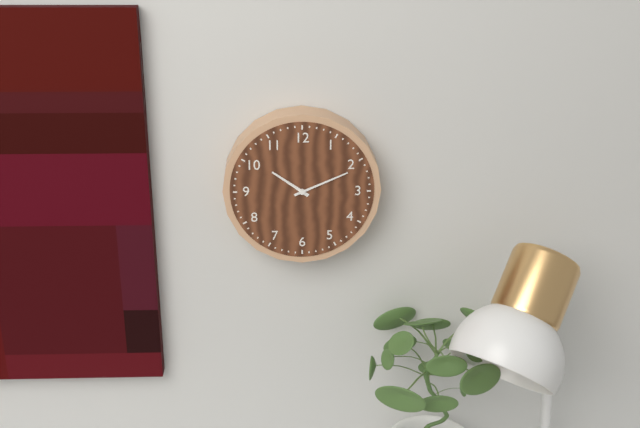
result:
10,11
